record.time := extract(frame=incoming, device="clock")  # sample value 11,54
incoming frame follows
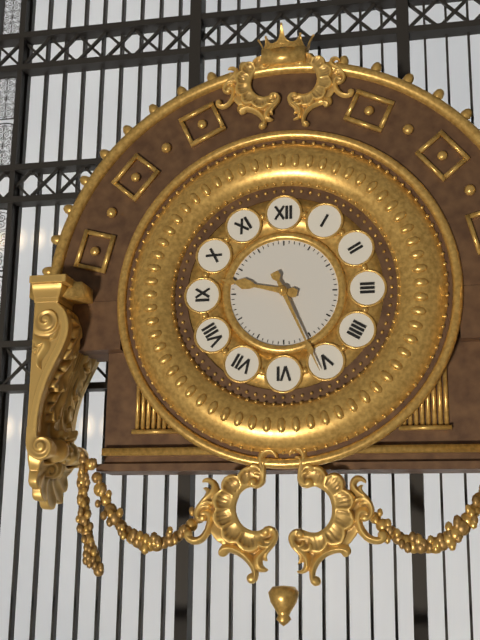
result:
9,26
